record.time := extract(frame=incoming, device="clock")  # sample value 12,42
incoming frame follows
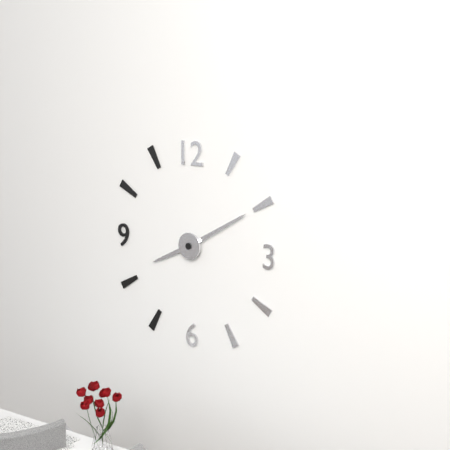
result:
8,10
